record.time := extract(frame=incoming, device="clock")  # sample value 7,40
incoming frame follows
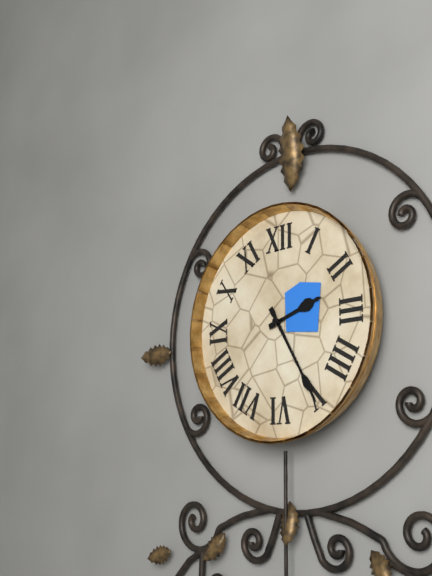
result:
2,25
